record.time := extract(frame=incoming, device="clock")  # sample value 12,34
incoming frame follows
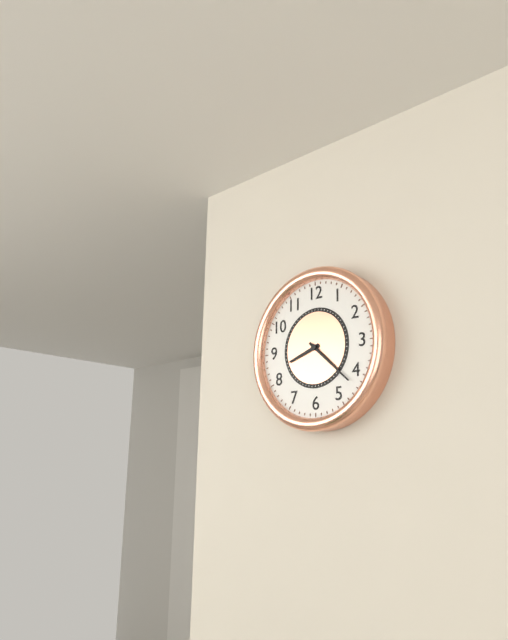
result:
8,22
